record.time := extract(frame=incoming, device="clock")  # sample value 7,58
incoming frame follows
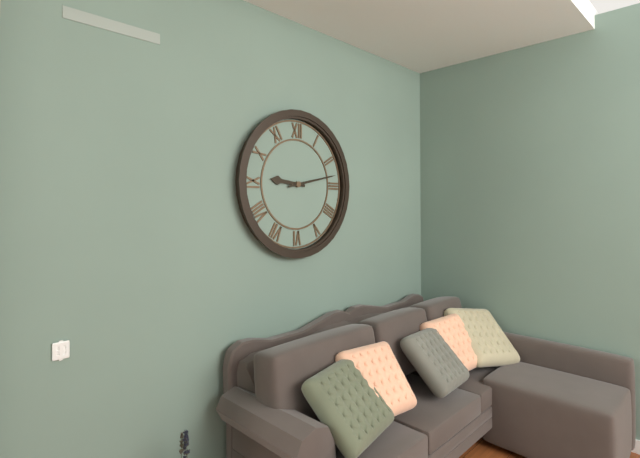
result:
9,13
